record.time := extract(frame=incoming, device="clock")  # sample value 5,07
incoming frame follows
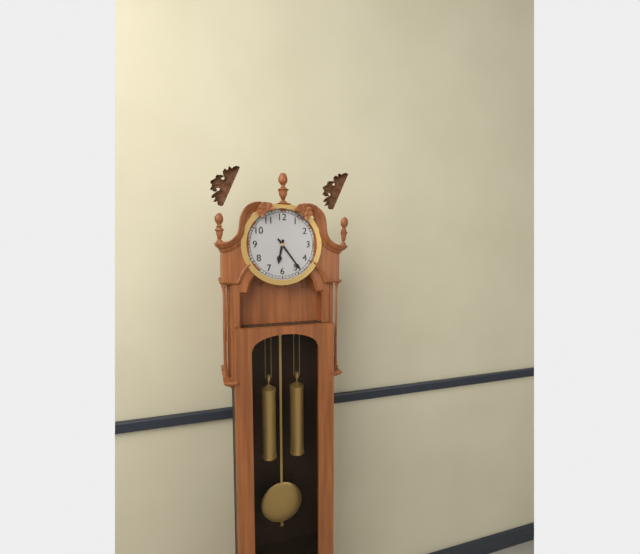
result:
6,24
